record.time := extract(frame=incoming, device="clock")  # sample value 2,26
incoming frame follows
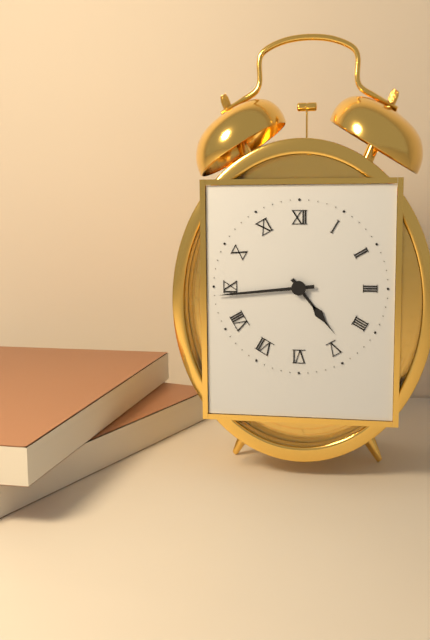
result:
4,44
